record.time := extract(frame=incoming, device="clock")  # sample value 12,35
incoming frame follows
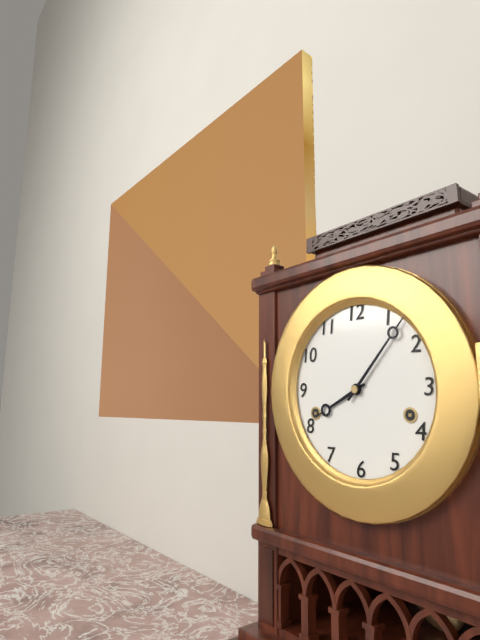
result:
8,07
